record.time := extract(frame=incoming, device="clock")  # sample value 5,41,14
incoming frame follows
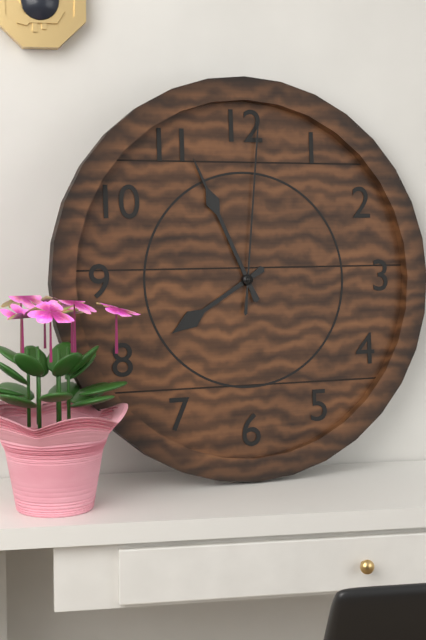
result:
7,56,01
